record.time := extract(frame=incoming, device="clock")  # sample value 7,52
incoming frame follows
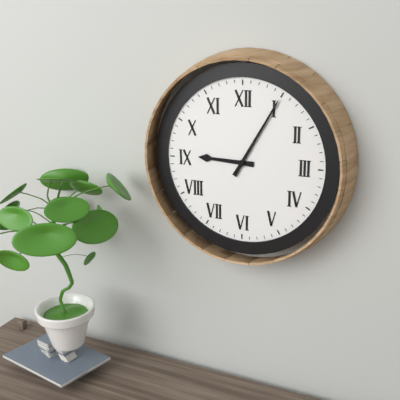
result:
9,05
